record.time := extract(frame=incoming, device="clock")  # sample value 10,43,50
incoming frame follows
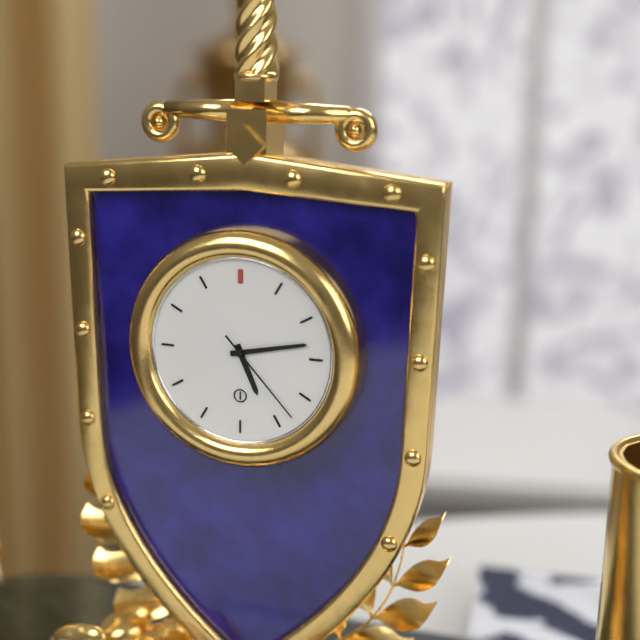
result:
5,13,23
